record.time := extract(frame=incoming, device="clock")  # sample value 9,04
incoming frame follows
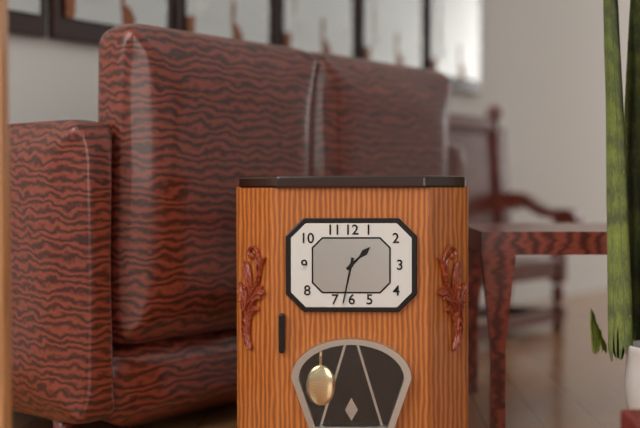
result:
1,32
